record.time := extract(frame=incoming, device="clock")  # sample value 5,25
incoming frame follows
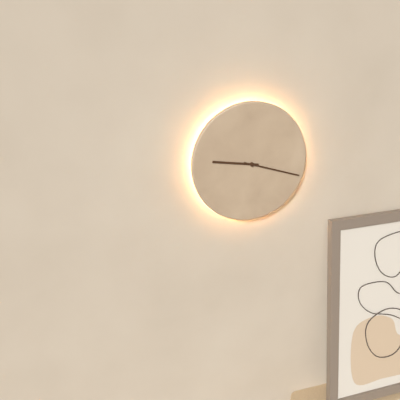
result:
9,18
